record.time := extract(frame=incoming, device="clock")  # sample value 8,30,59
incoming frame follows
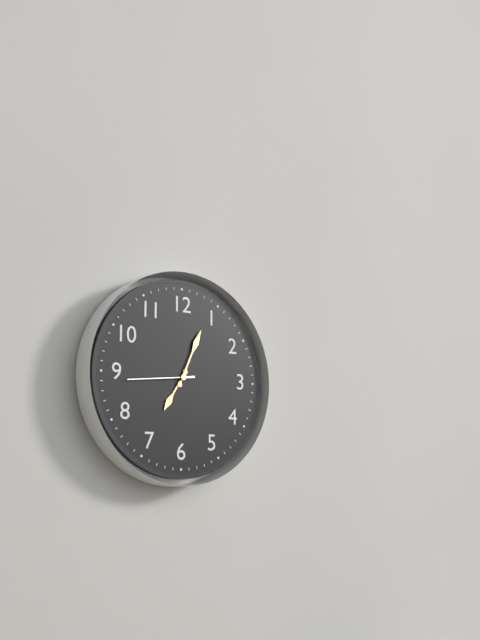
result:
7,04,44
